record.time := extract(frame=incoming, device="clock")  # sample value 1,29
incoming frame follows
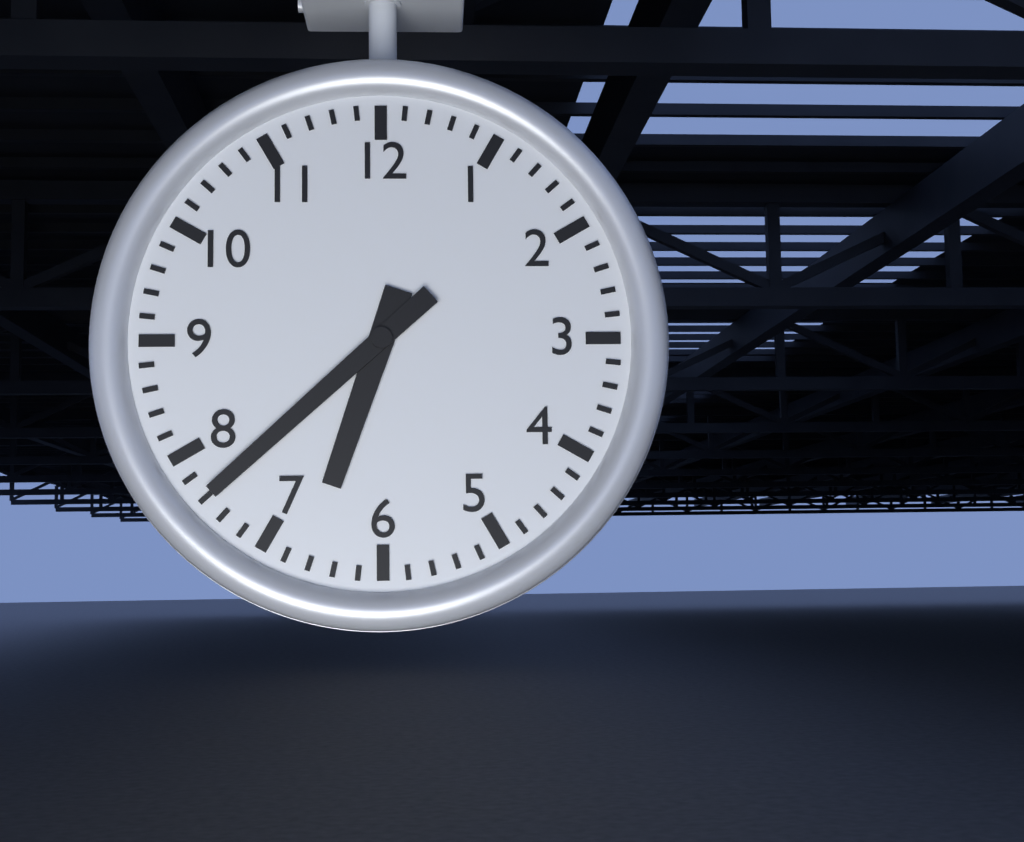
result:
6,38
